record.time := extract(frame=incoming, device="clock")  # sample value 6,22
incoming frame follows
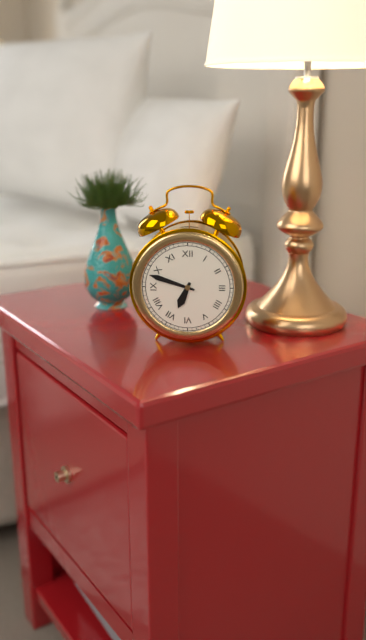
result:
6,48
